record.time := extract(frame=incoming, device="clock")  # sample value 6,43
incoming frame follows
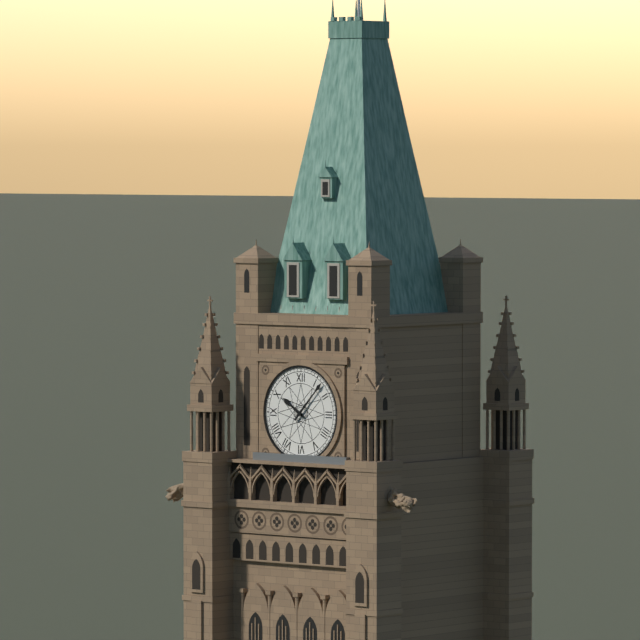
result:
10,07
